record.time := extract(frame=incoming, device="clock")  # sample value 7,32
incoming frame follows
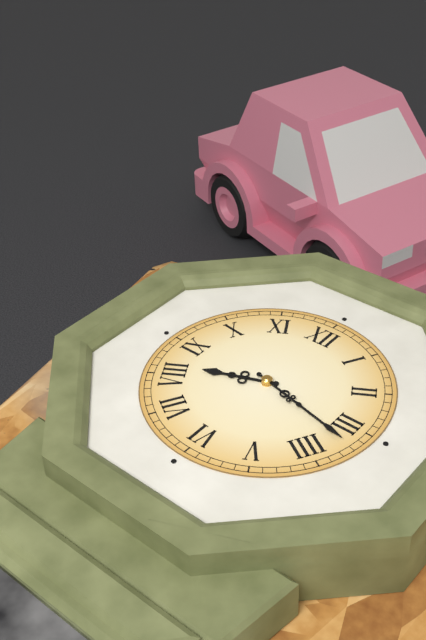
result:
8,17
